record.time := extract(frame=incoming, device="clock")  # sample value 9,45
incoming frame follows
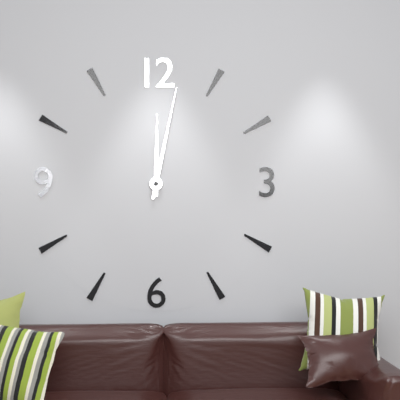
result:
12,02
